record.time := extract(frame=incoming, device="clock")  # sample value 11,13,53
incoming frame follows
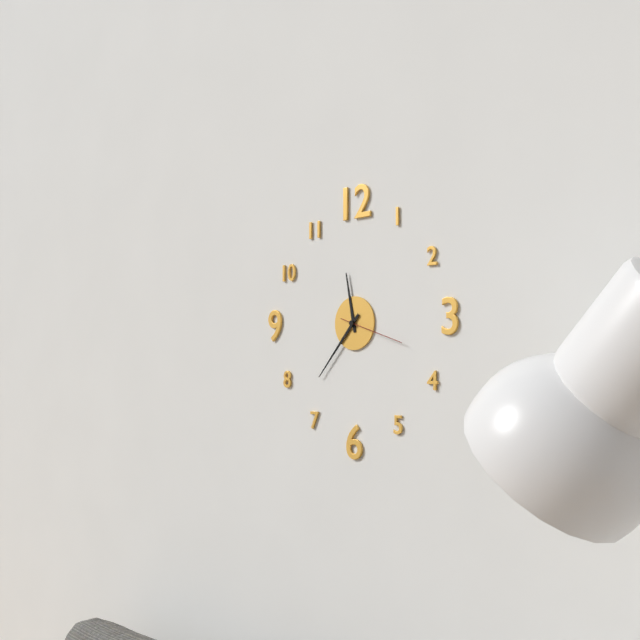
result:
11,37,18
